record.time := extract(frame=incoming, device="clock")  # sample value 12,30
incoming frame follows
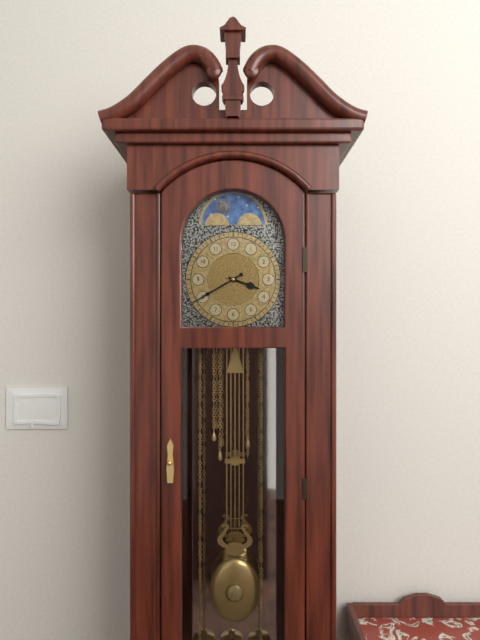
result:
3,40
